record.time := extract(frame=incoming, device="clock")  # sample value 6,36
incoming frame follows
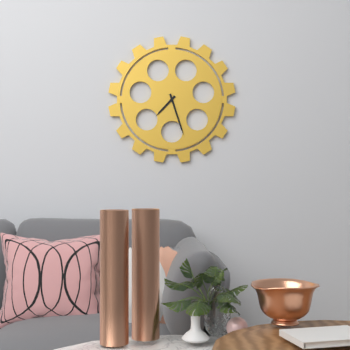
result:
7,27
